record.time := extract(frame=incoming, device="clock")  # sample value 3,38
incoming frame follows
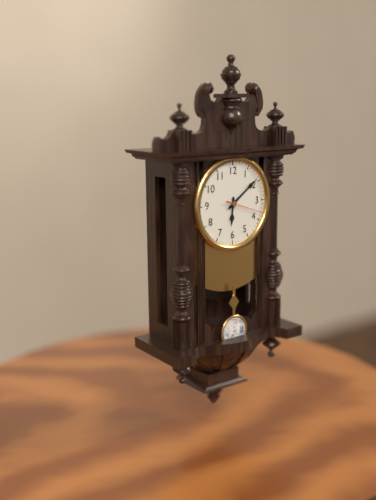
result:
6,09
